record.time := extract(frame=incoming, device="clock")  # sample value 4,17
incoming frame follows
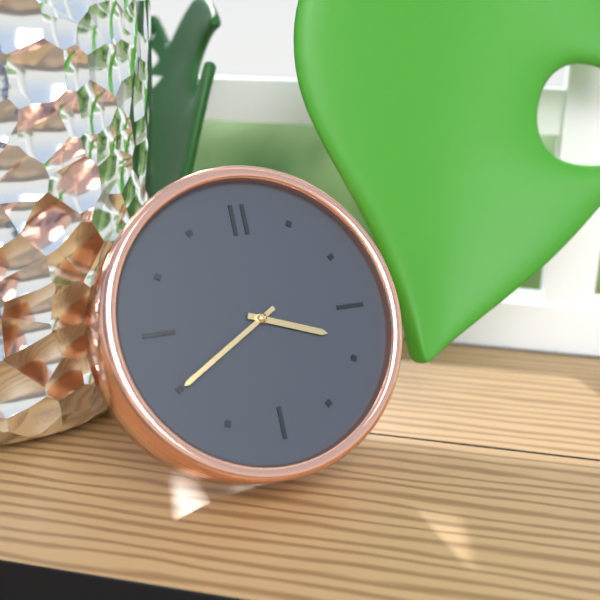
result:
3,40
